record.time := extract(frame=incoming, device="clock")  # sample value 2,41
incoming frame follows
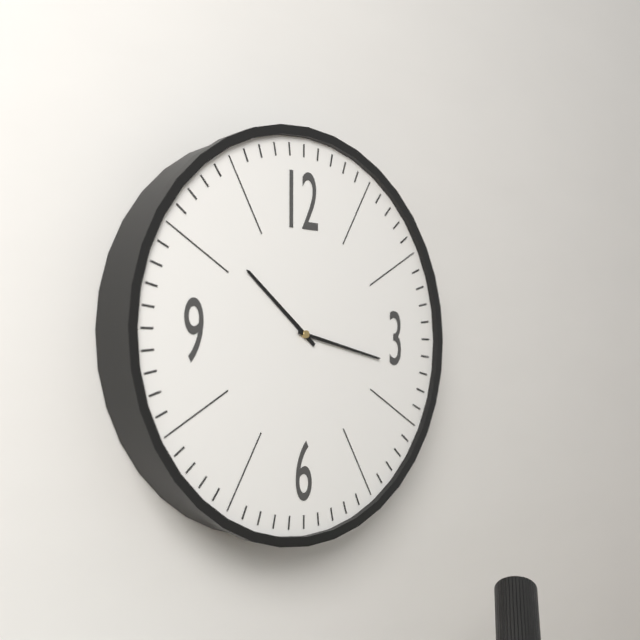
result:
10,17
